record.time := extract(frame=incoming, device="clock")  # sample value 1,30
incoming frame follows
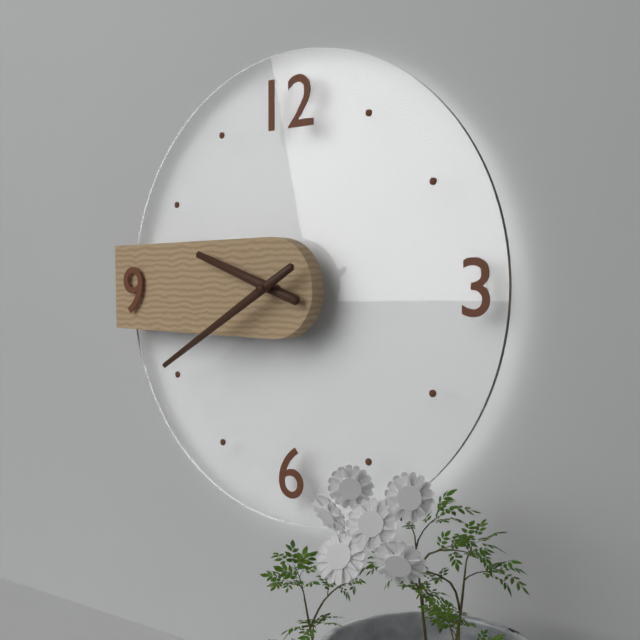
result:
9,40
